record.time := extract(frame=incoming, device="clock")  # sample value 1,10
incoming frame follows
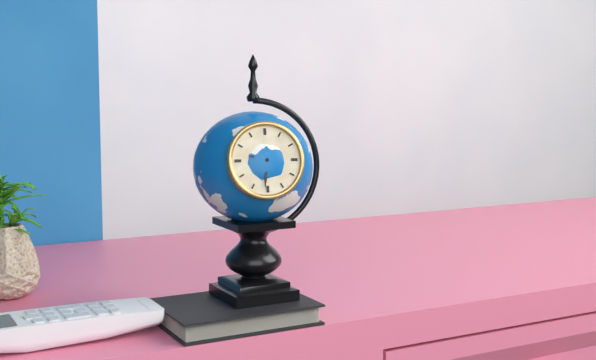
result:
9,31
